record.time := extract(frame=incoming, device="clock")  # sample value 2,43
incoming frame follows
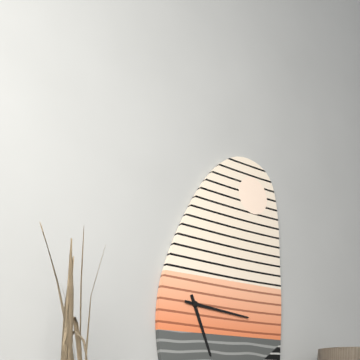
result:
5,16
